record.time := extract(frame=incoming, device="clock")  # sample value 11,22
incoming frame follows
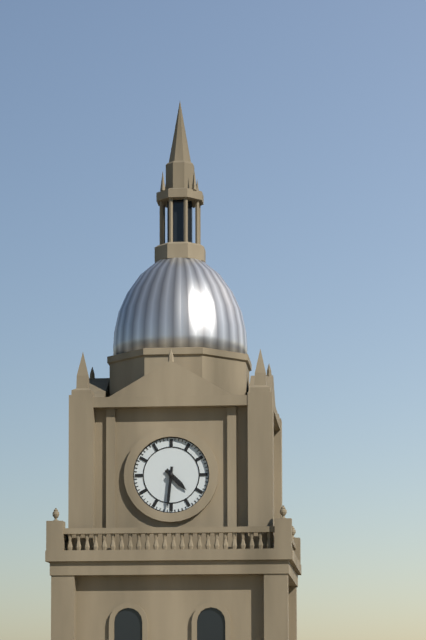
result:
4,31
